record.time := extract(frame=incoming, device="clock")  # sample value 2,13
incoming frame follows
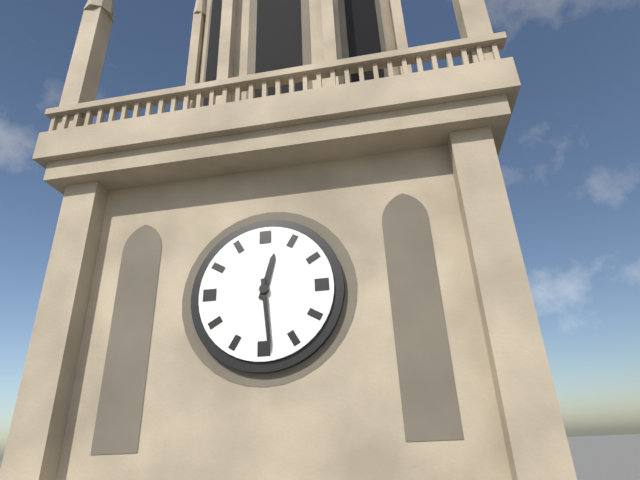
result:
12,29
